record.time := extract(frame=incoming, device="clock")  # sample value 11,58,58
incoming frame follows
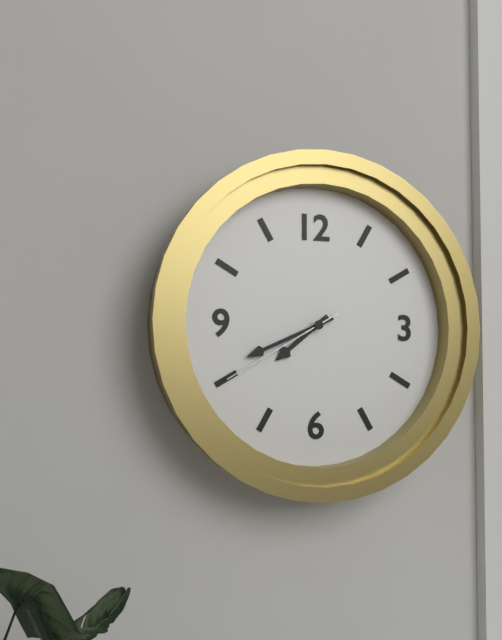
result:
7,41,40
